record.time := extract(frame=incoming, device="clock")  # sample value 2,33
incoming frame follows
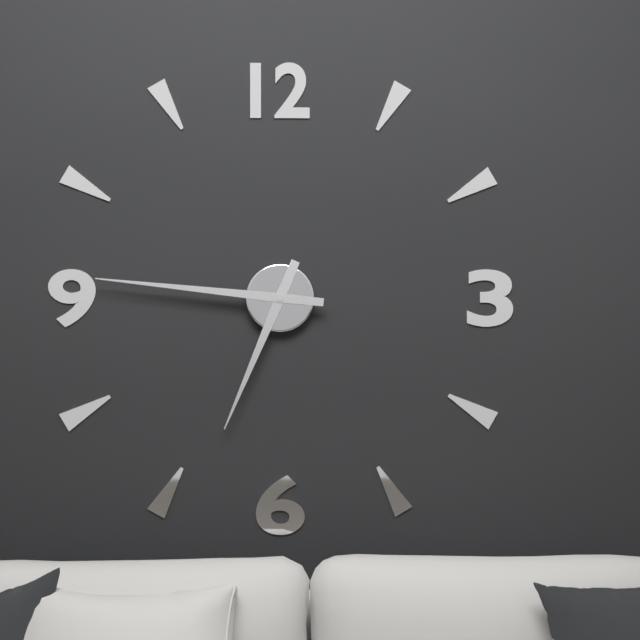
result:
6,46
